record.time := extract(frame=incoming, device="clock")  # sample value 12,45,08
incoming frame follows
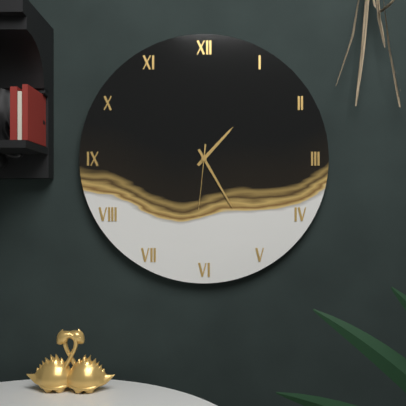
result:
1,25,31
